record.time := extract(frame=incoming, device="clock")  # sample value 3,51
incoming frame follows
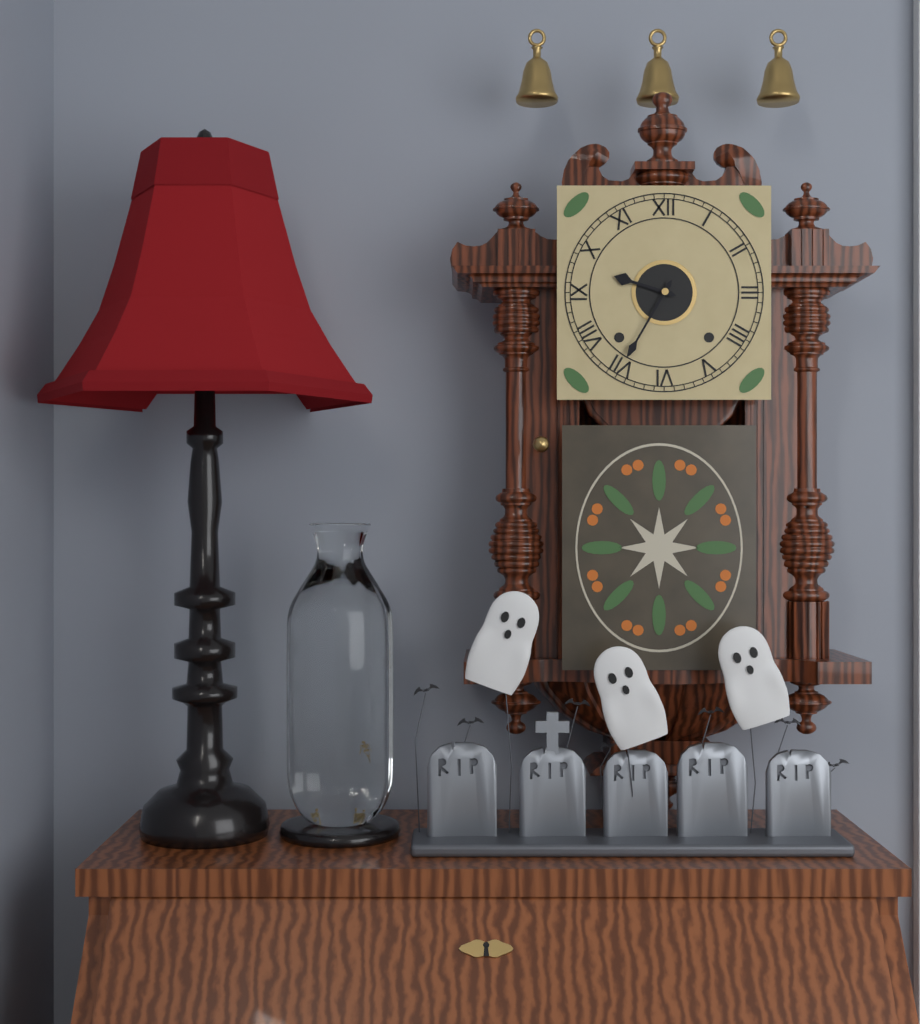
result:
9,35
